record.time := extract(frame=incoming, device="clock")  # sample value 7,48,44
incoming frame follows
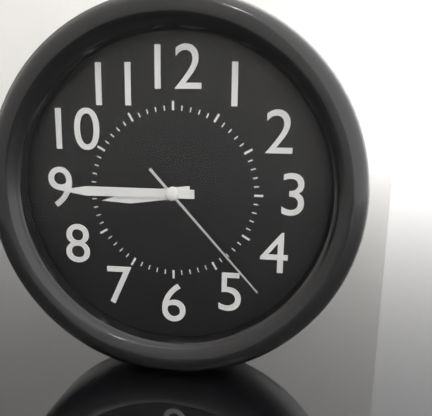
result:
8,45,23
